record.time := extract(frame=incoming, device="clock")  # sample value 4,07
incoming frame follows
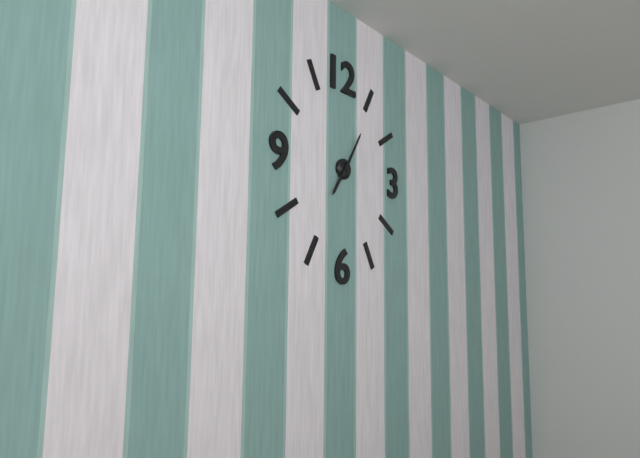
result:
7,05
